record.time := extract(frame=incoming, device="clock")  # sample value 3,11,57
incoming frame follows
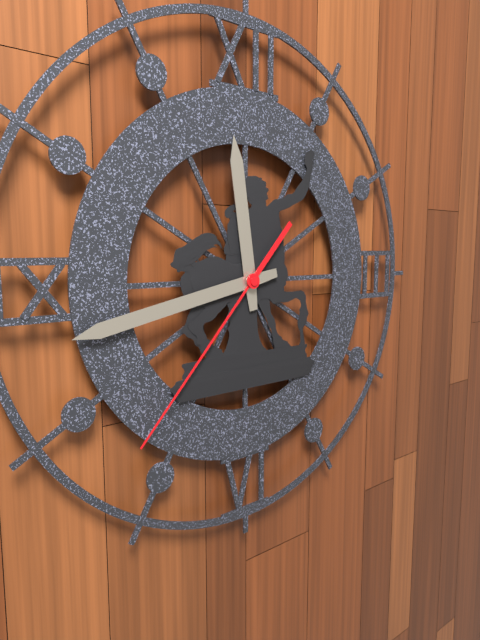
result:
11,43,37
